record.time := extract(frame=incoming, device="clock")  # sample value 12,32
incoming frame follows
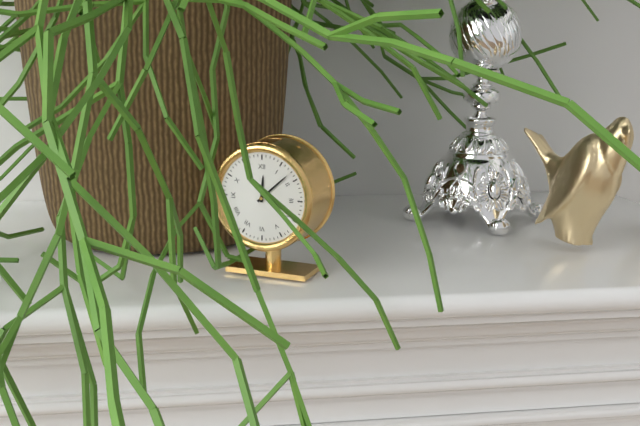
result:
12,08
